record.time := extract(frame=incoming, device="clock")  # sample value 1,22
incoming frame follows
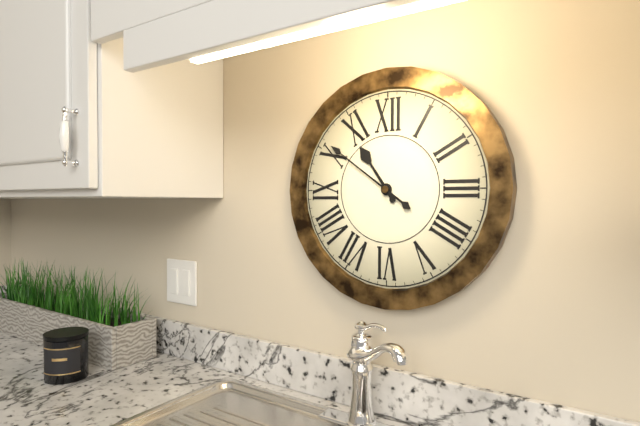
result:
10,51
